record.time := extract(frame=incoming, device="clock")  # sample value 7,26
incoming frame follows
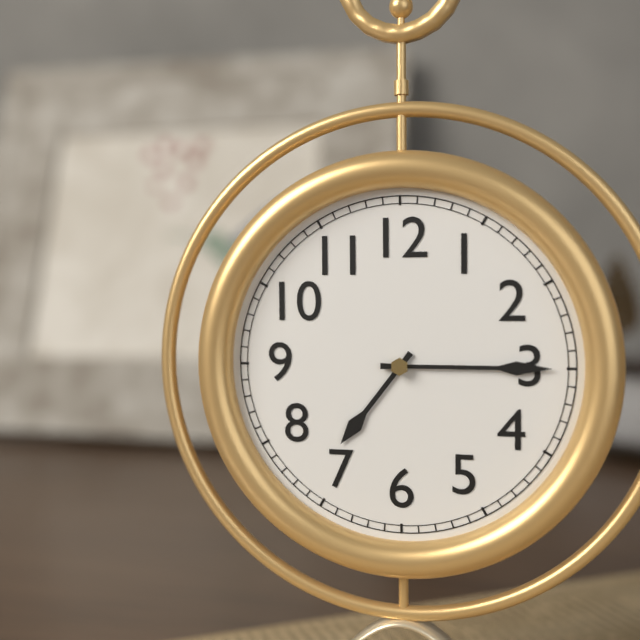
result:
7,15
